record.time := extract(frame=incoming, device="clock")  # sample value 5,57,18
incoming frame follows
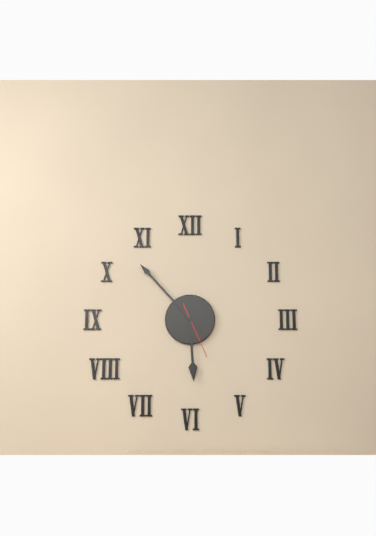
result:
5,53,26
